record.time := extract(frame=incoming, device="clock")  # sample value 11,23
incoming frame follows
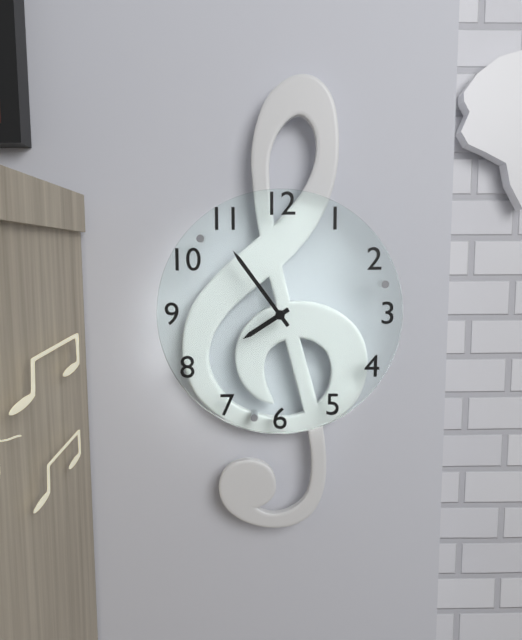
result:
7,54
